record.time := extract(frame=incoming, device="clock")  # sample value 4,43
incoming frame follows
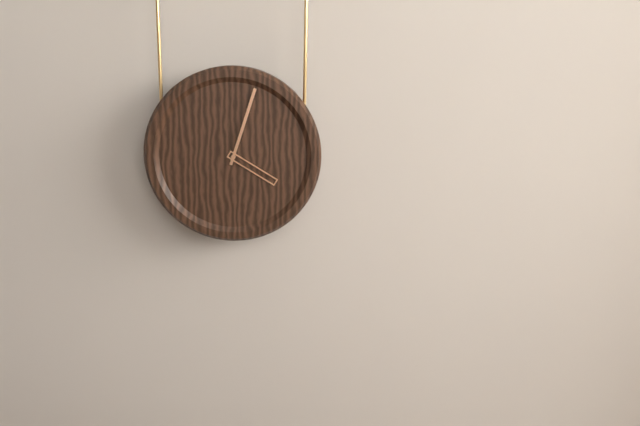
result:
4,03
